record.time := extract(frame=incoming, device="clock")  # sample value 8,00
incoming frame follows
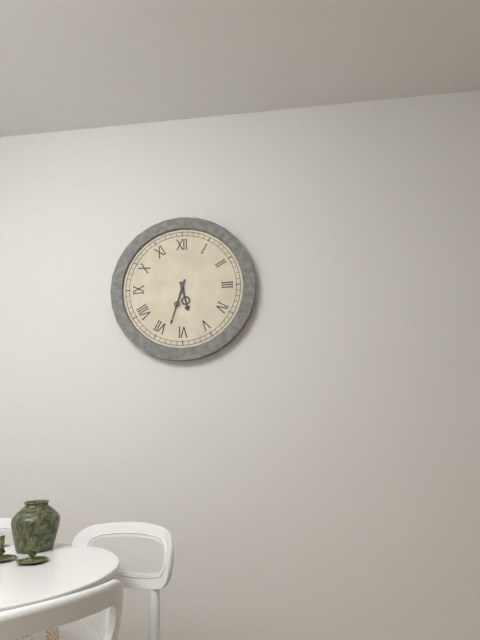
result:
5,33
